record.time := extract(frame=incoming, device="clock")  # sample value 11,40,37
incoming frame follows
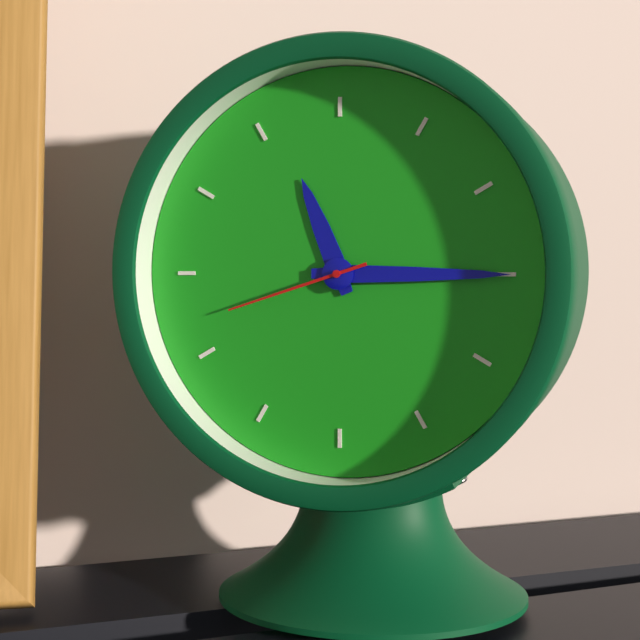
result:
11,15,42
